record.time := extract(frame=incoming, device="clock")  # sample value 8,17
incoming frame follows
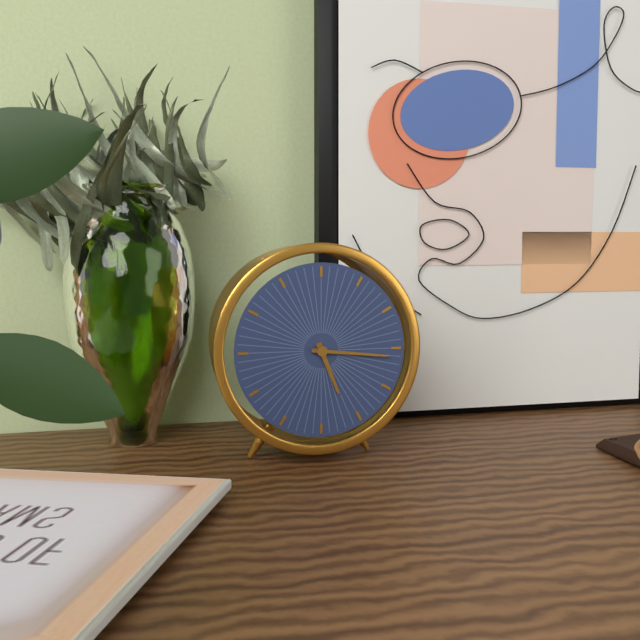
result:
5,16
